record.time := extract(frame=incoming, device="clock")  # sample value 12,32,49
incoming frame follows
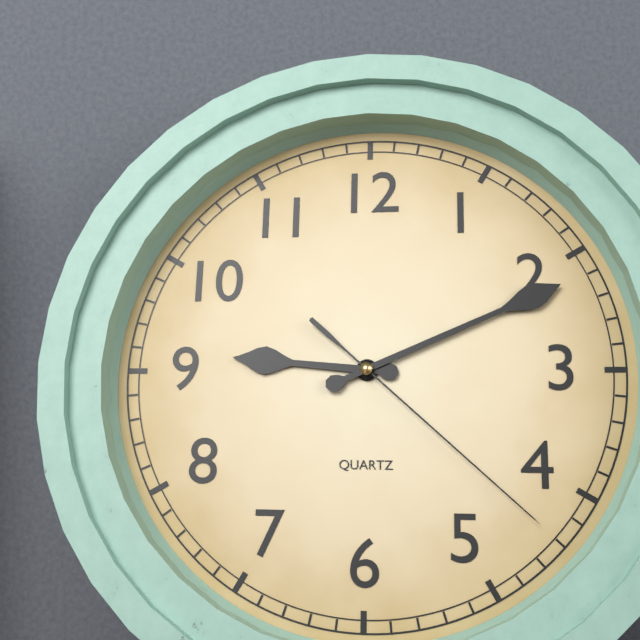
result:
9,11,22
